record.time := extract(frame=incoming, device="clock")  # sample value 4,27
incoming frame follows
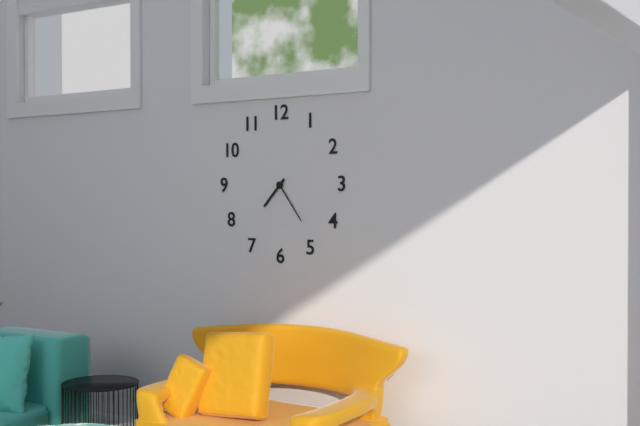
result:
7,24
